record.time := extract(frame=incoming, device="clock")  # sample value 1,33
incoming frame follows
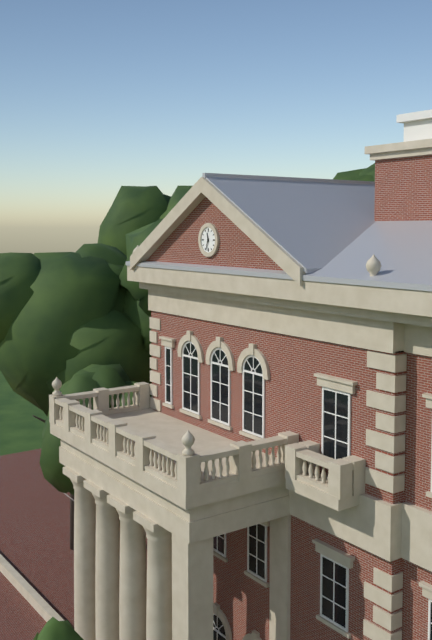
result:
11,33
